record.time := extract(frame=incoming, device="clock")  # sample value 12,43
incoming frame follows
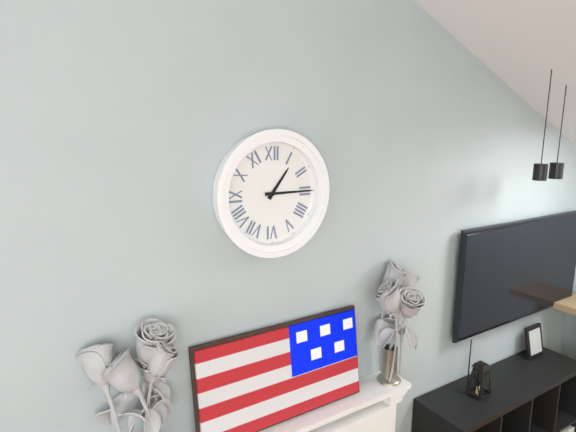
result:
1,15
